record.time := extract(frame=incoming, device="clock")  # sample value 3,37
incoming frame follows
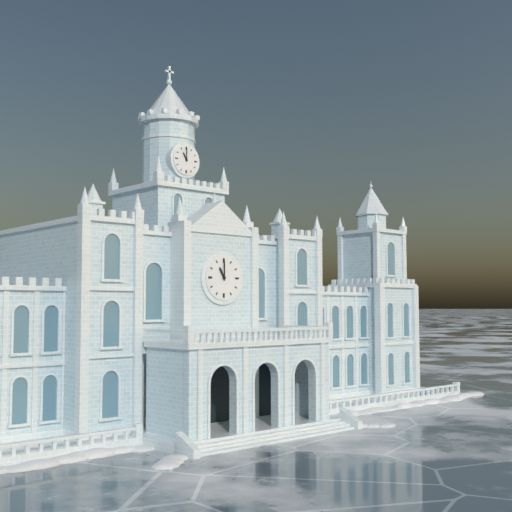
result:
11,00
